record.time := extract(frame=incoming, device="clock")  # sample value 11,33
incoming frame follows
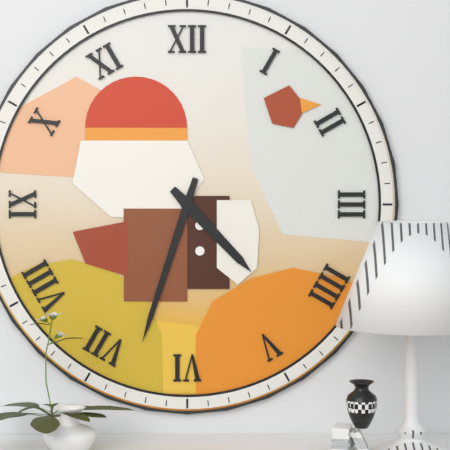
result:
4,33
